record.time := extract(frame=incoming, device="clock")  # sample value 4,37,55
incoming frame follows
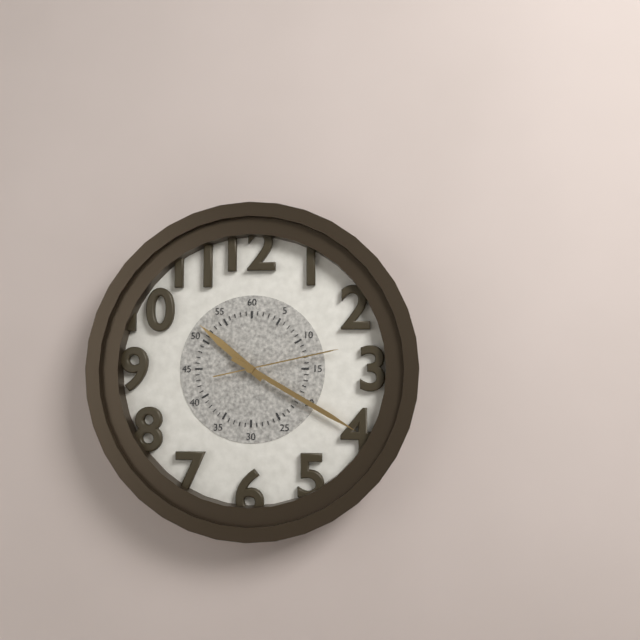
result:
10,20,13
